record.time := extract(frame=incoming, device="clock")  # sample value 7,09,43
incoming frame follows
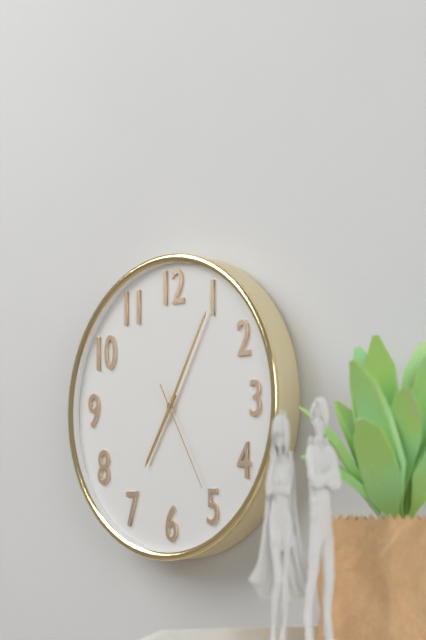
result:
7,05,25
